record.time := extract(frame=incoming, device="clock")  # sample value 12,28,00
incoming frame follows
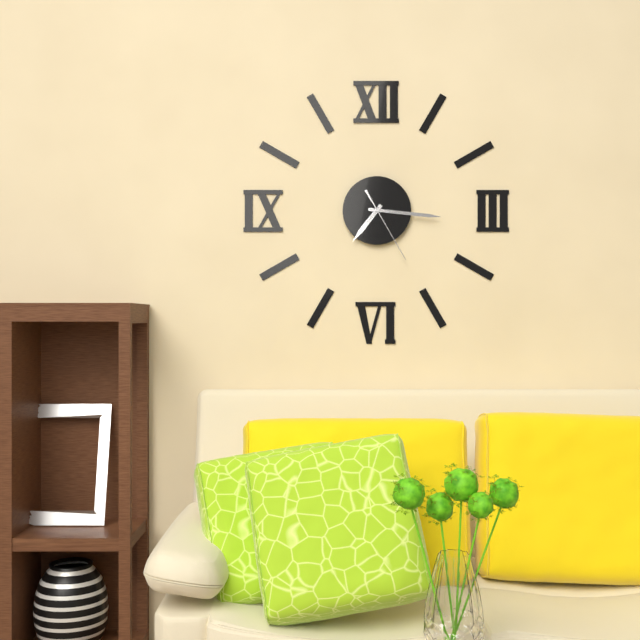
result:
7,16,25
